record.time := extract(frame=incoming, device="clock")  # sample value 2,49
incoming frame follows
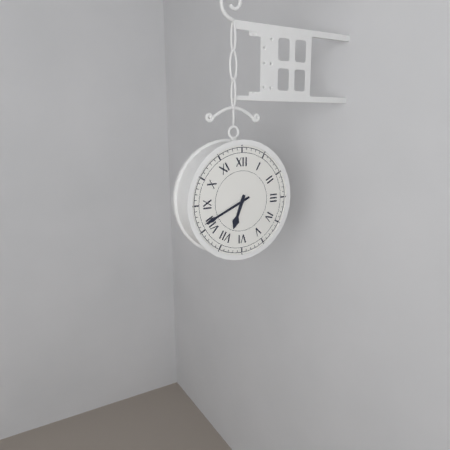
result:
6,41
